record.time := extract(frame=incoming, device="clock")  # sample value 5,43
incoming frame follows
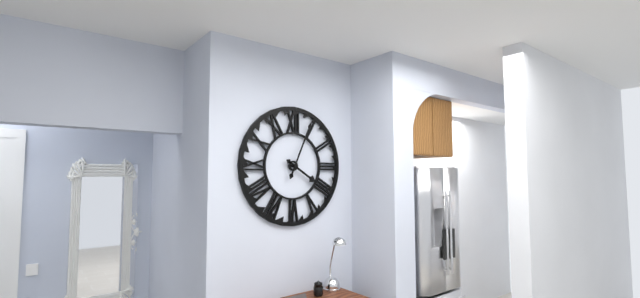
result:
4,04
